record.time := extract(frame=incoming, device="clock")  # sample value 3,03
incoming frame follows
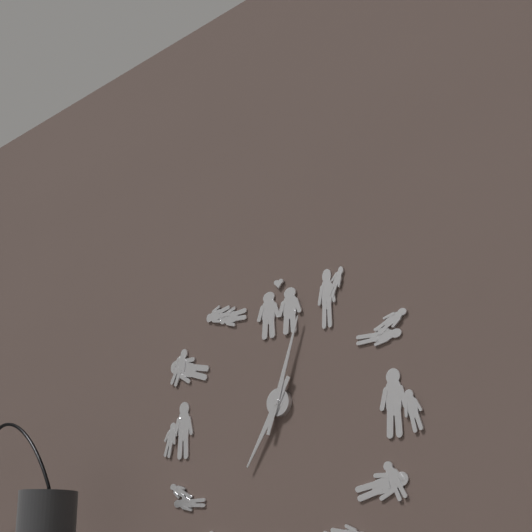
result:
7,03
